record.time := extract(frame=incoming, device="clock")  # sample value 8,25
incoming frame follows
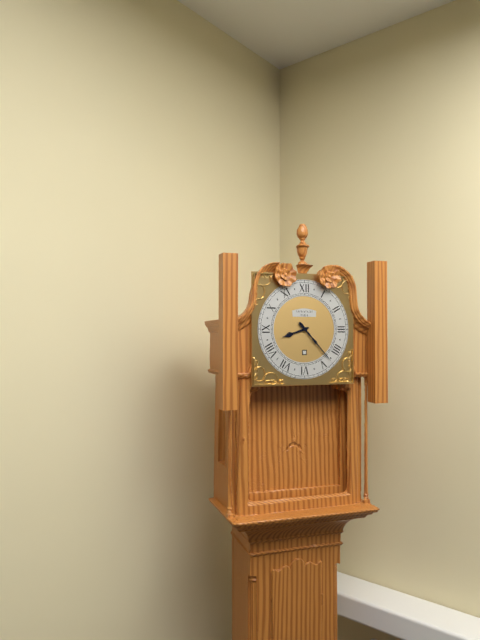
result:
8,23
